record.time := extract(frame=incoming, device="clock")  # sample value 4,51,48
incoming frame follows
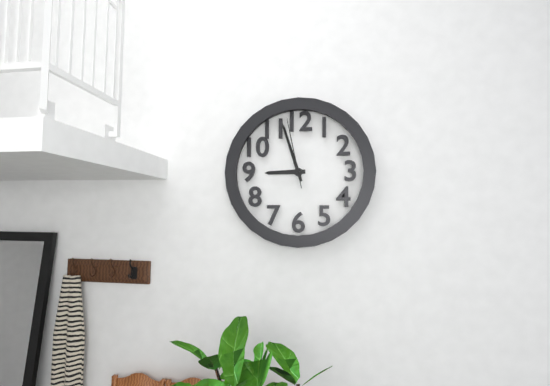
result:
8,57,58
